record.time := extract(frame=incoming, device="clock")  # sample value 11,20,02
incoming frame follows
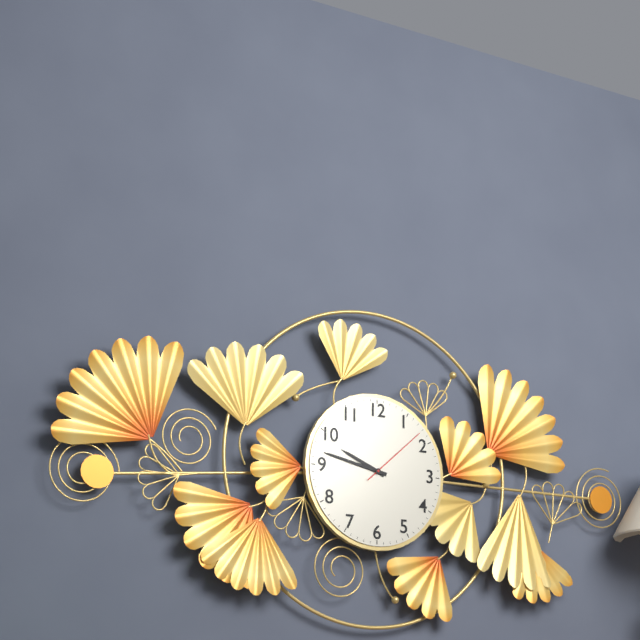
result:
9,47,08
